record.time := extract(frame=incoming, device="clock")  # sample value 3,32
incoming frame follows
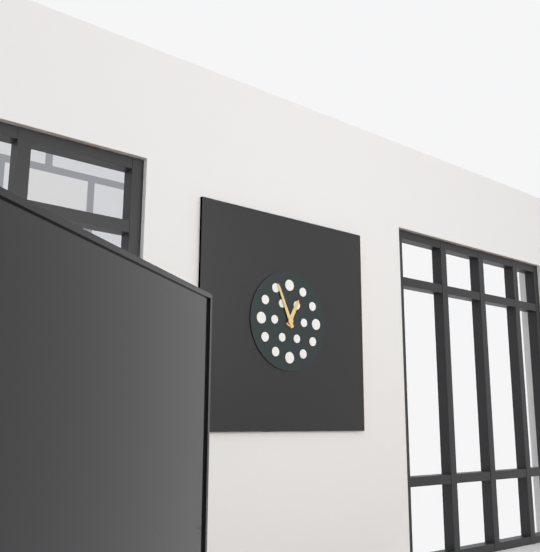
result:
12,56
